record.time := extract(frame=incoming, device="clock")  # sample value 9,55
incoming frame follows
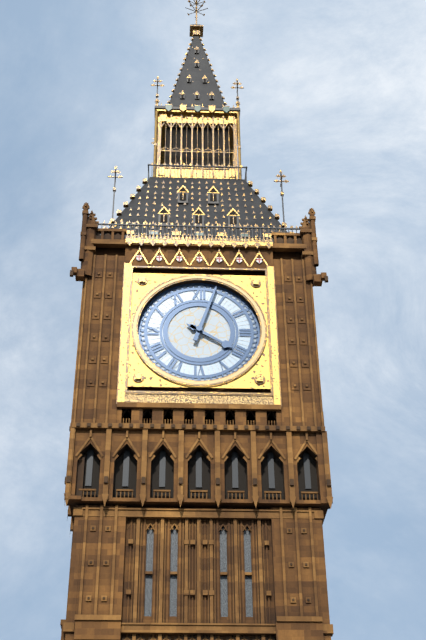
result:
4,03
